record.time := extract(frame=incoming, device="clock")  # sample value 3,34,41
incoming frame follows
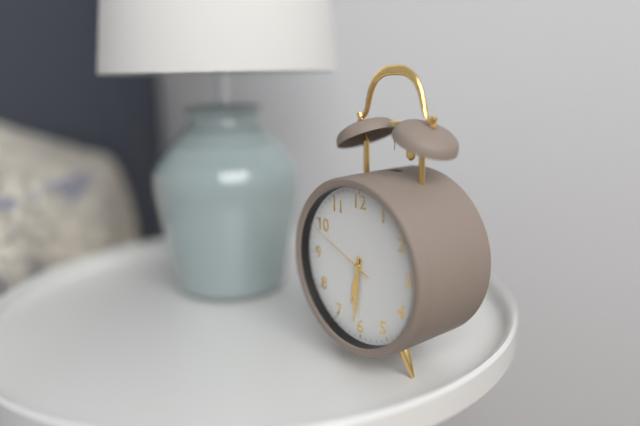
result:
6,31,49
